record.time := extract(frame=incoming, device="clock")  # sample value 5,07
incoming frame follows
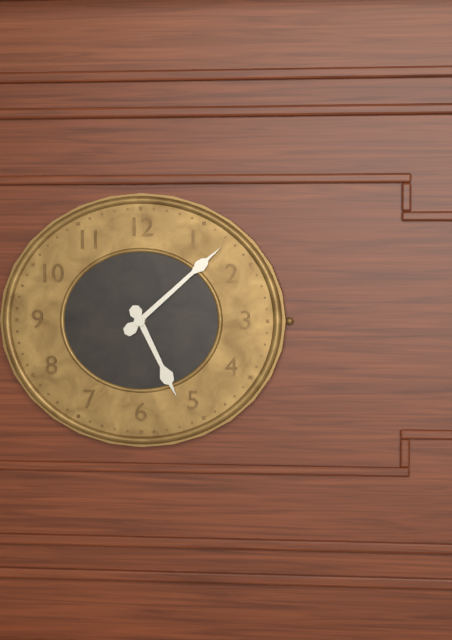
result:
5,08
